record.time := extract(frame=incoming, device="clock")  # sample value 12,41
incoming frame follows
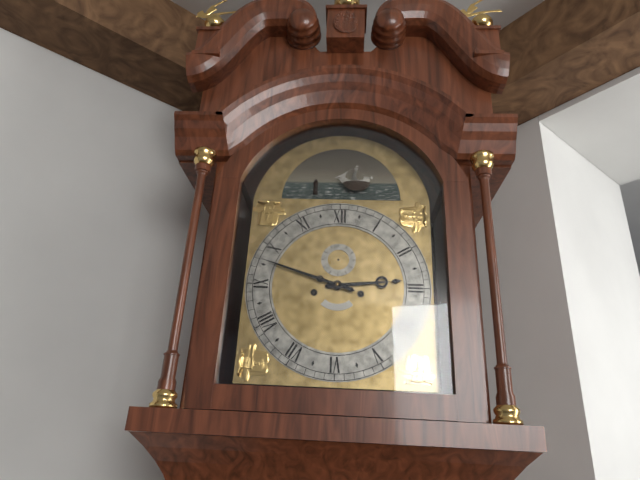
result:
2,48
